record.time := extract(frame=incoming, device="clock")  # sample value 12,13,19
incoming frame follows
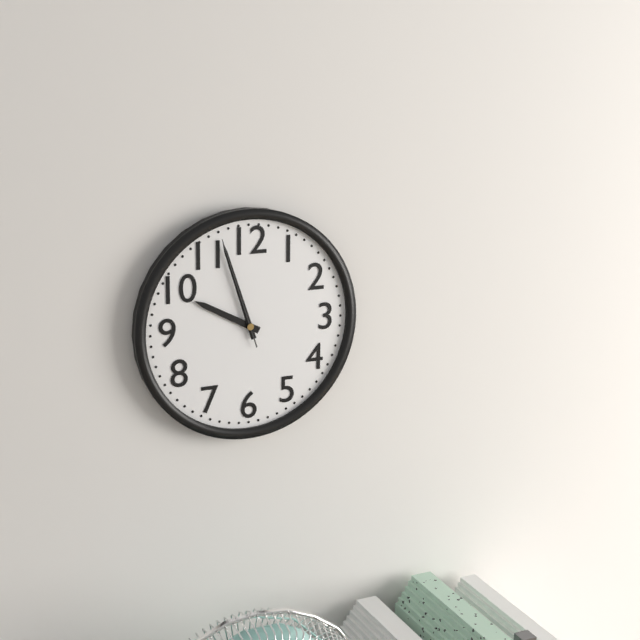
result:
9,57,57
